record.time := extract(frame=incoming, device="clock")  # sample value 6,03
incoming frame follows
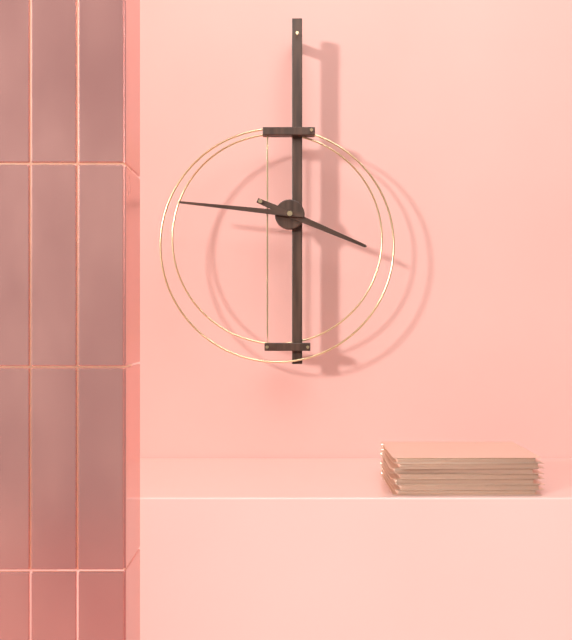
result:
3,46
